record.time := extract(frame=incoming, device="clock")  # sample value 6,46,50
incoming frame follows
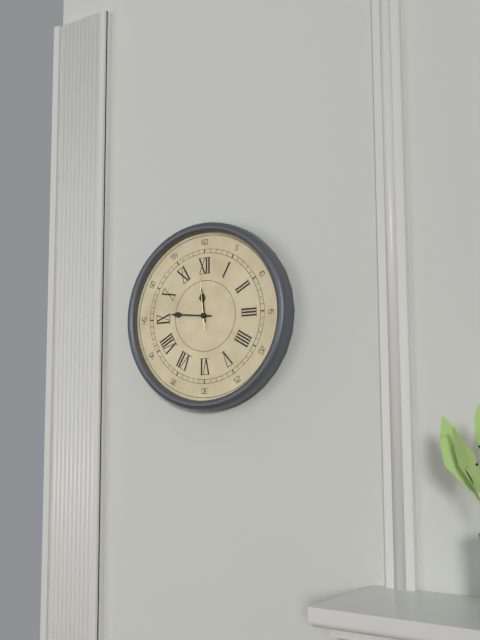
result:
11,46,59
